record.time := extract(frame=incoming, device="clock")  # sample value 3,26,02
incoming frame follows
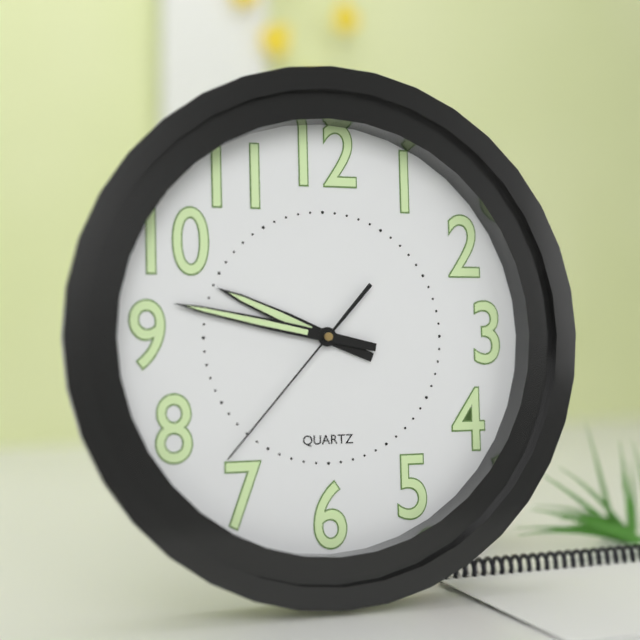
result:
9,47,37
